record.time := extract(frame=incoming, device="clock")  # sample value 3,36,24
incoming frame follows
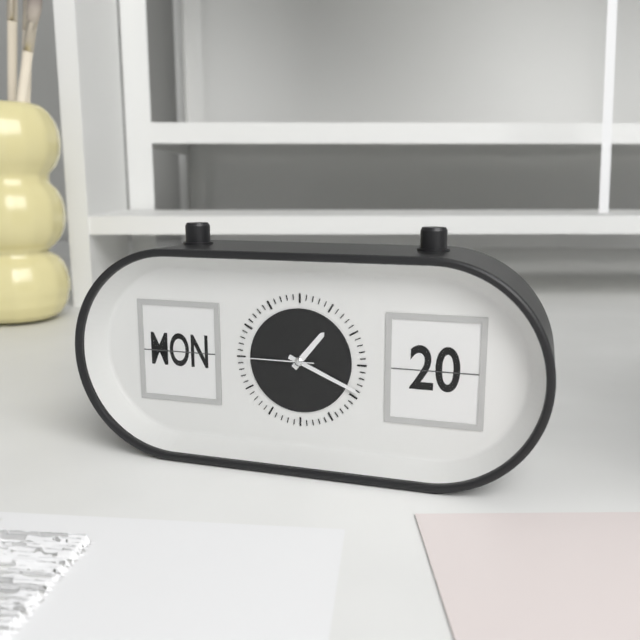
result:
1,19,45
